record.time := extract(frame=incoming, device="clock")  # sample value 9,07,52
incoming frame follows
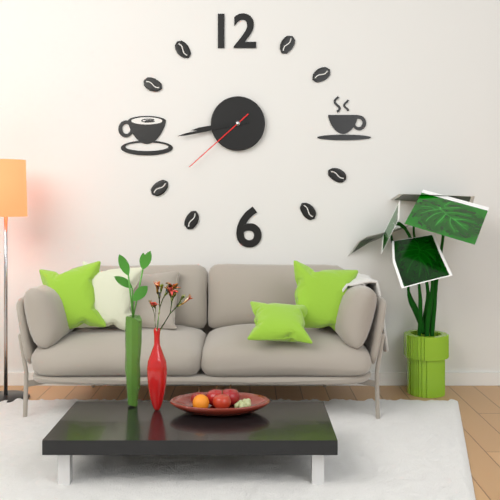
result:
8,43,38
